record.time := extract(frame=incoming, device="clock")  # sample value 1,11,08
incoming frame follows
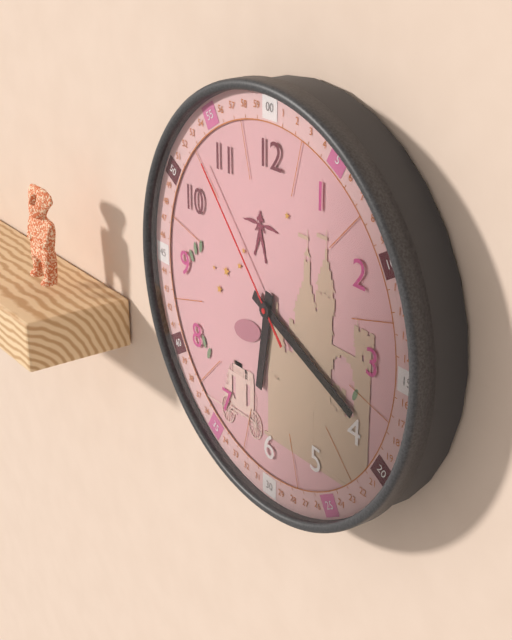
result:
6,19,53
